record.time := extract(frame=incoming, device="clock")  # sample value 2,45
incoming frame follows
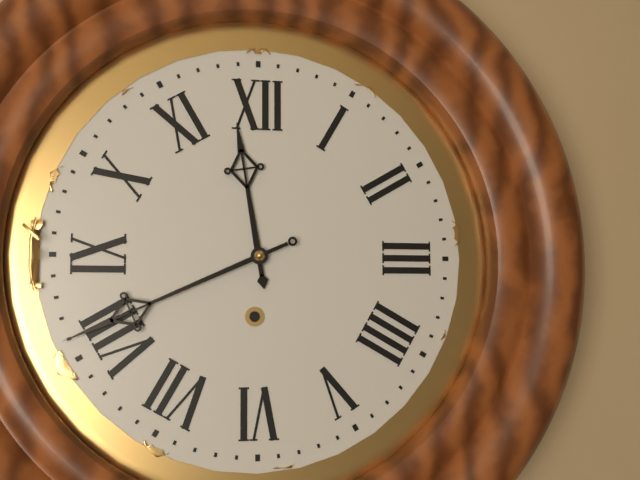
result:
11,41
